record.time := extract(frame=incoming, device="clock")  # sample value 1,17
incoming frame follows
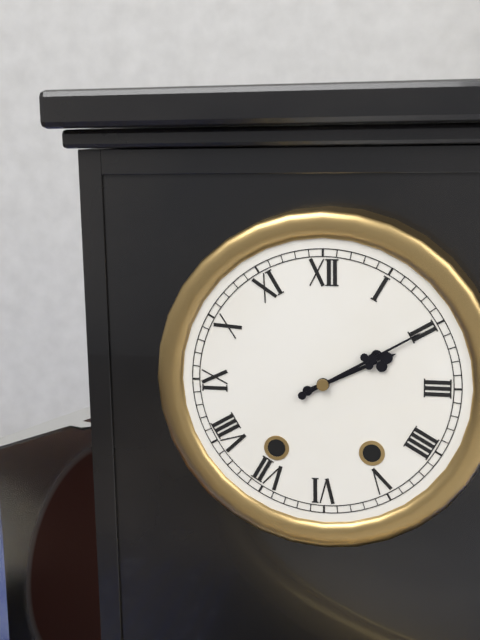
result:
2,10
